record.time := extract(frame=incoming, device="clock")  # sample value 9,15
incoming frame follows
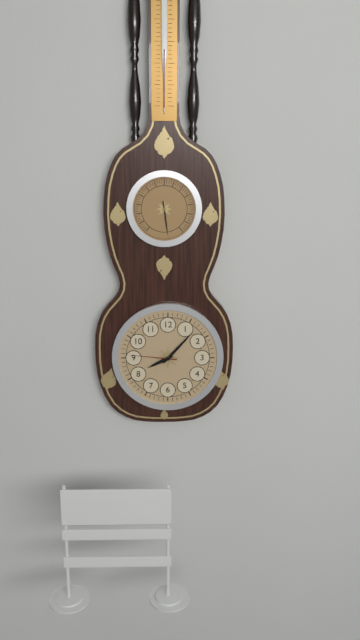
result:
8,07
